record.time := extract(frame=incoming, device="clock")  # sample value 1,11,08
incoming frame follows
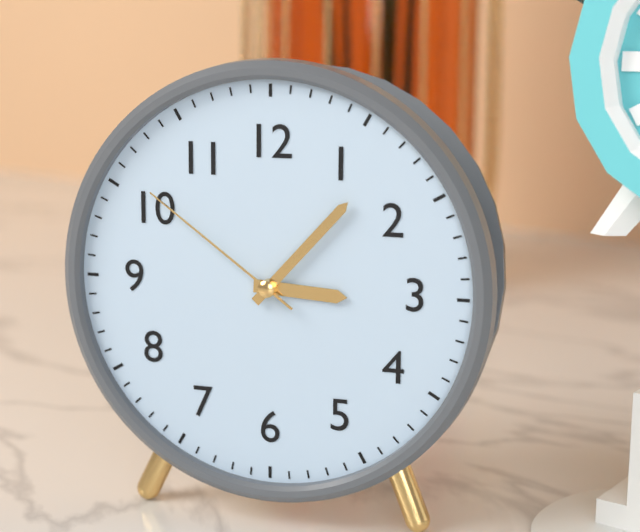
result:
3,07,51
